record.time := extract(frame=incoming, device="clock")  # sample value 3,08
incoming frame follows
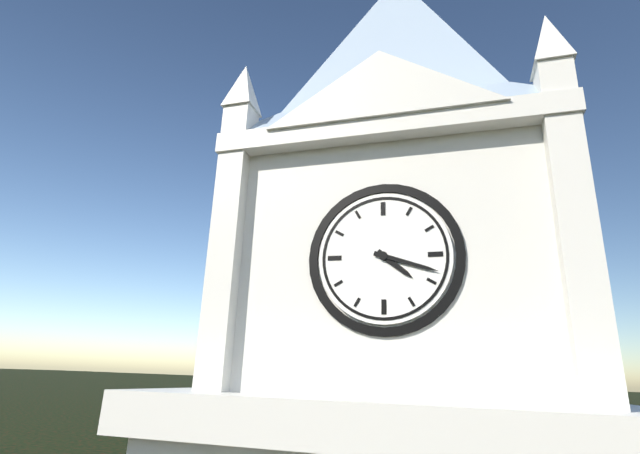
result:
4,18
